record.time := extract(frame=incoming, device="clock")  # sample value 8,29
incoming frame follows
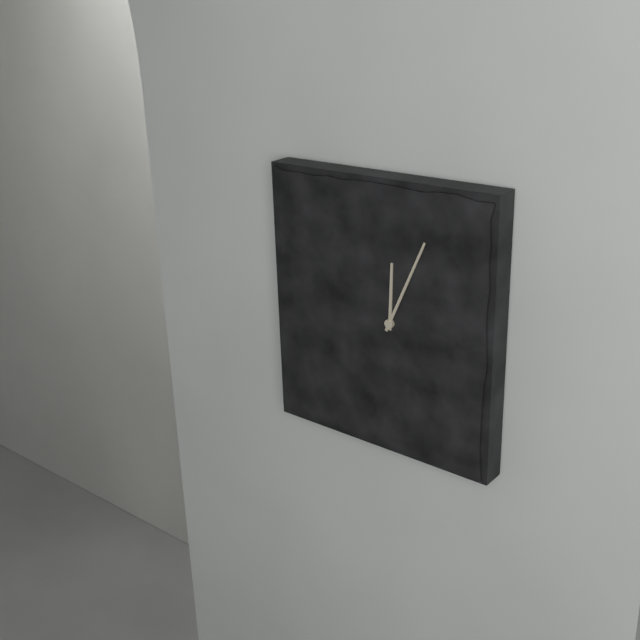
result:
12,04
